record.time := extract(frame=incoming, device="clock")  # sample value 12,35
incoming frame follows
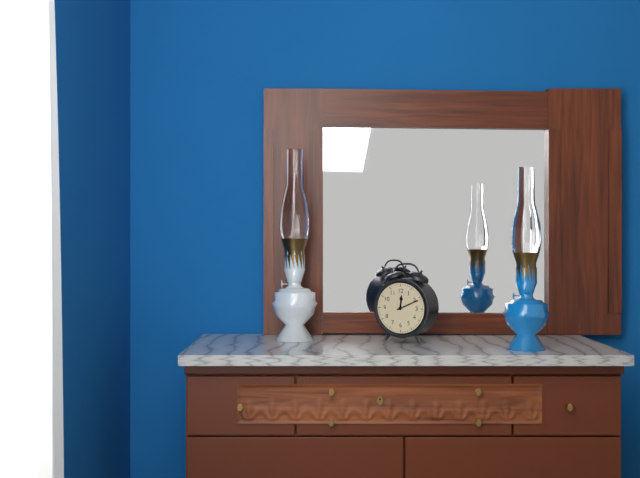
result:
12,11
